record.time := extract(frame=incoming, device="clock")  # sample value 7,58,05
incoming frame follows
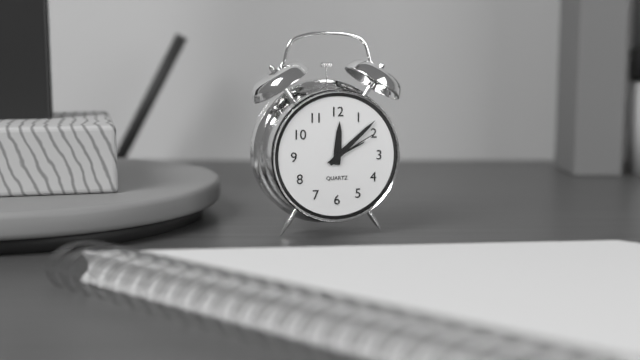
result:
12,08,10
